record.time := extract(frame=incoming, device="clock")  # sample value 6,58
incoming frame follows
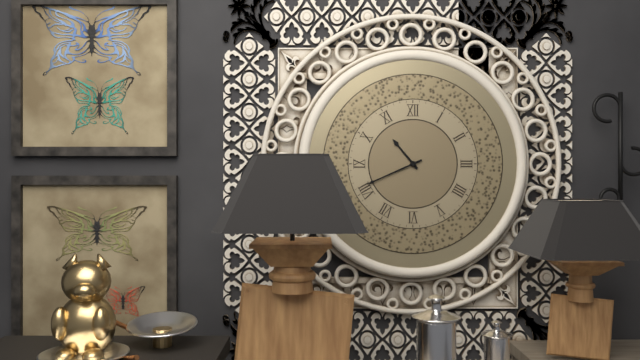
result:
10,41
